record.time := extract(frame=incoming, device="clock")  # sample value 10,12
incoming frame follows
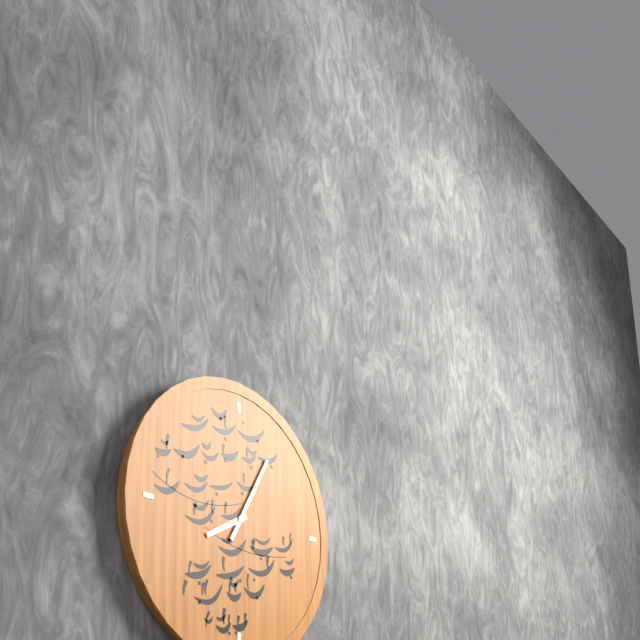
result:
8,05
